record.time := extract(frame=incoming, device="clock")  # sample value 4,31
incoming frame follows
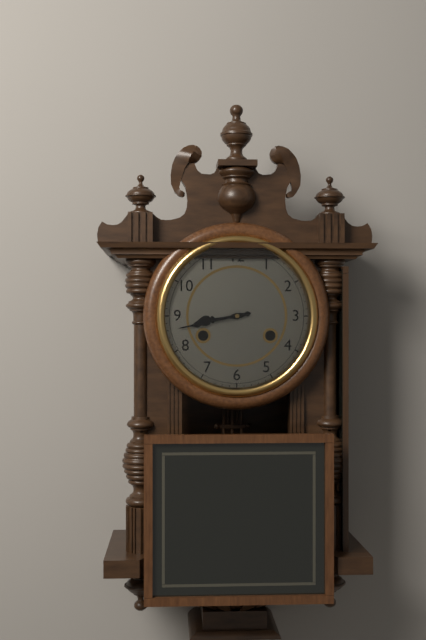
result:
8,43
